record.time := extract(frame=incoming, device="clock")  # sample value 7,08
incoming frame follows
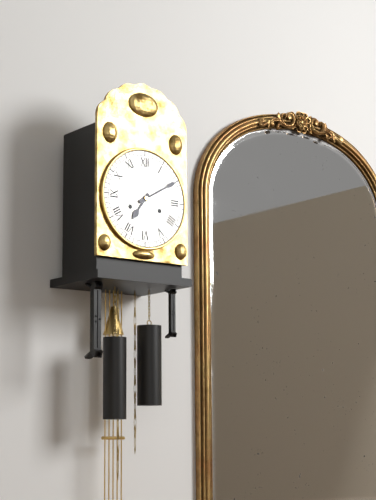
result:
7,10
